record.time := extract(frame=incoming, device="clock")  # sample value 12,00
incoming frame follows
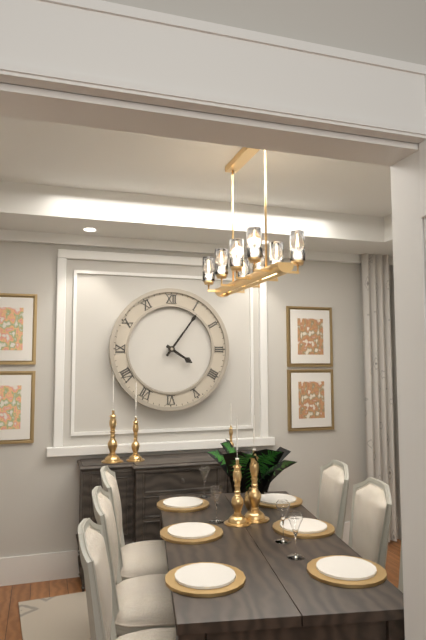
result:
4,06
